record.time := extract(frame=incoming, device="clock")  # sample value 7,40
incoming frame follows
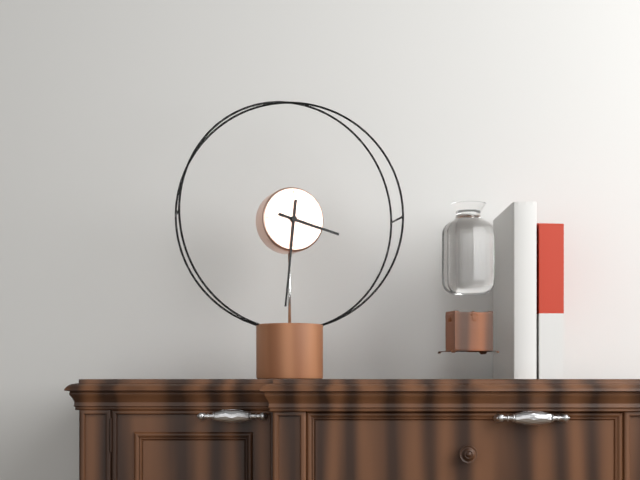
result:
3,31
